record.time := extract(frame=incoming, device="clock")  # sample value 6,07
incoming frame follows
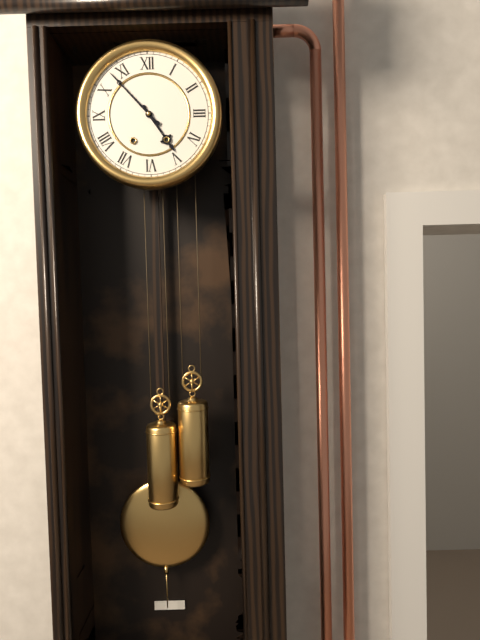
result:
4,53
